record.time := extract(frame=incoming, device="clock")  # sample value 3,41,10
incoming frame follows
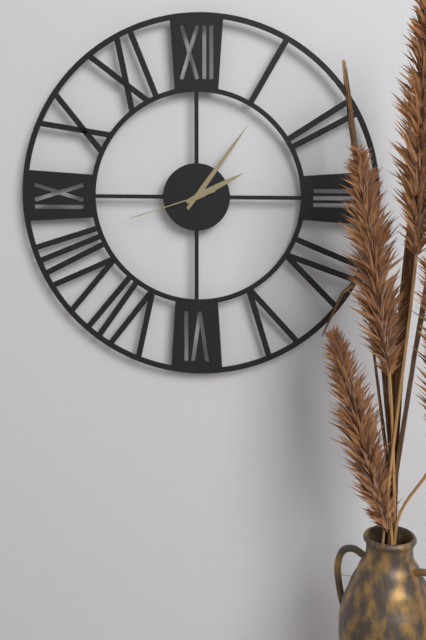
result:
2,06,42
